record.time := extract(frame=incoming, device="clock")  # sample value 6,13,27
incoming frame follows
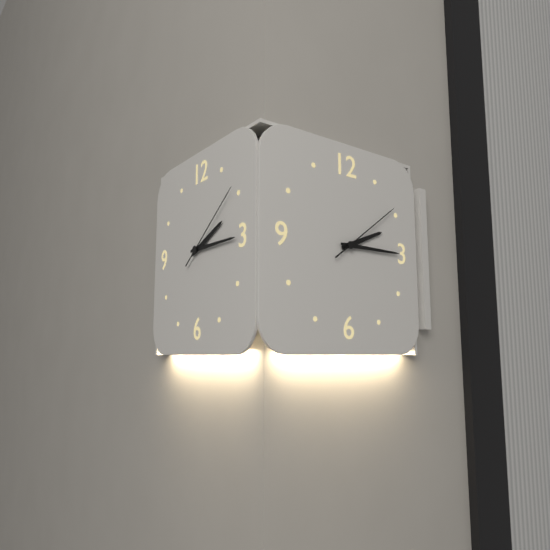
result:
2,15,09
